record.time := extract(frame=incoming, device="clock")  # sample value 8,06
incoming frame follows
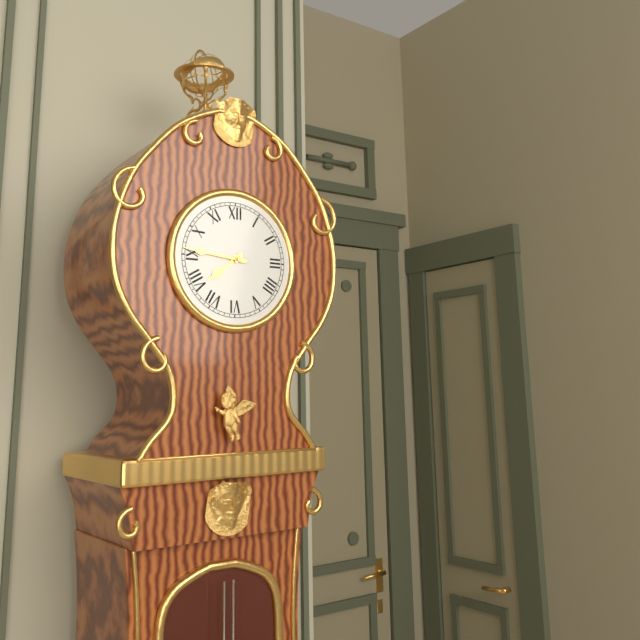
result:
7,46
